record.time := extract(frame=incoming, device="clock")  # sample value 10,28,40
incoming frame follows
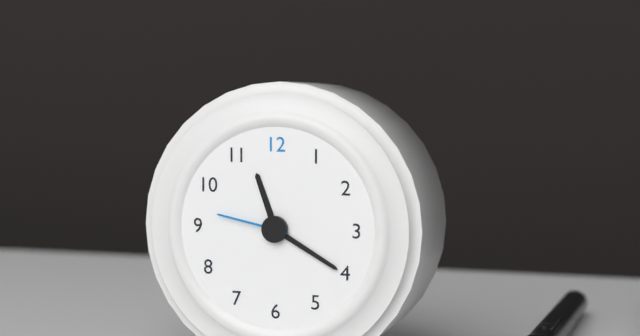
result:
11,20,47
